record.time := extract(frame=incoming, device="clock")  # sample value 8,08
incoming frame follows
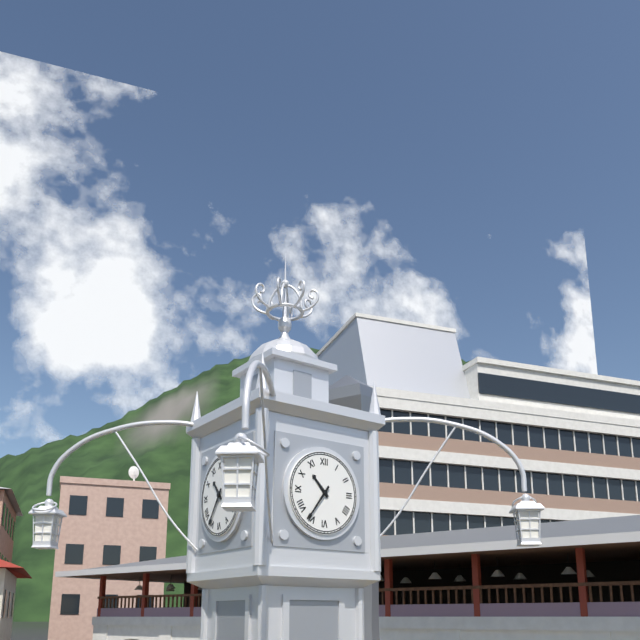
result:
10,36
